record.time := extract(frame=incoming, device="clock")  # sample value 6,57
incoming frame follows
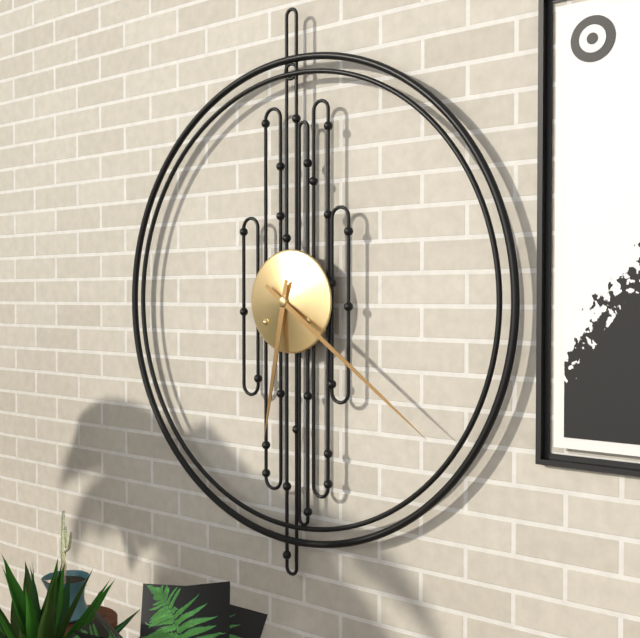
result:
6,21
